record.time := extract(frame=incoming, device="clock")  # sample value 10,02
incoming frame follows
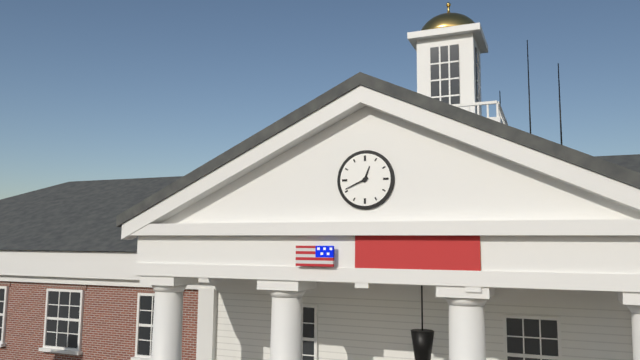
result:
12,41
